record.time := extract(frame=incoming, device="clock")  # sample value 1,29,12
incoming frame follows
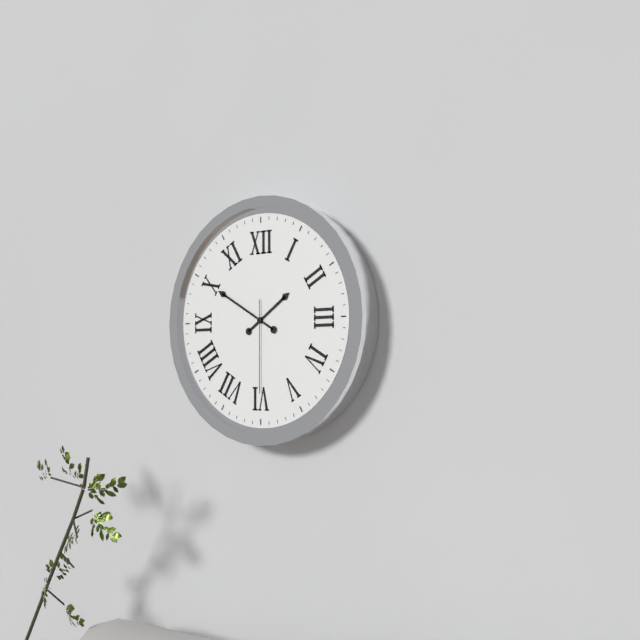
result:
1,50,30
